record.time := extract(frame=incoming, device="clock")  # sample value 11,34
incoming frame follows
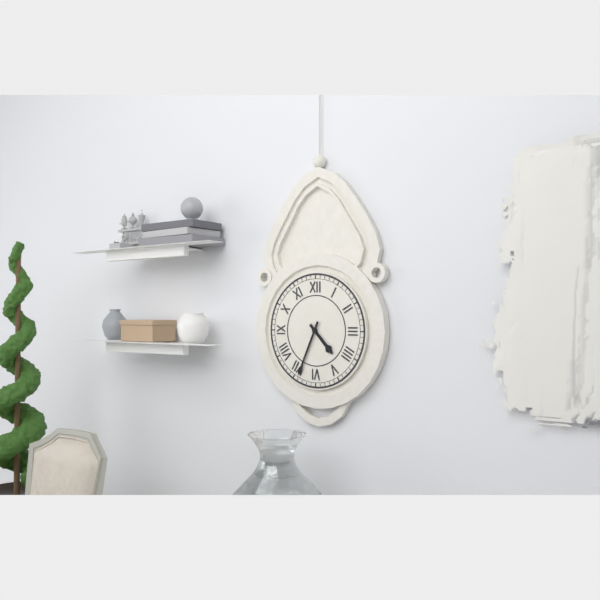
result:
4,34
